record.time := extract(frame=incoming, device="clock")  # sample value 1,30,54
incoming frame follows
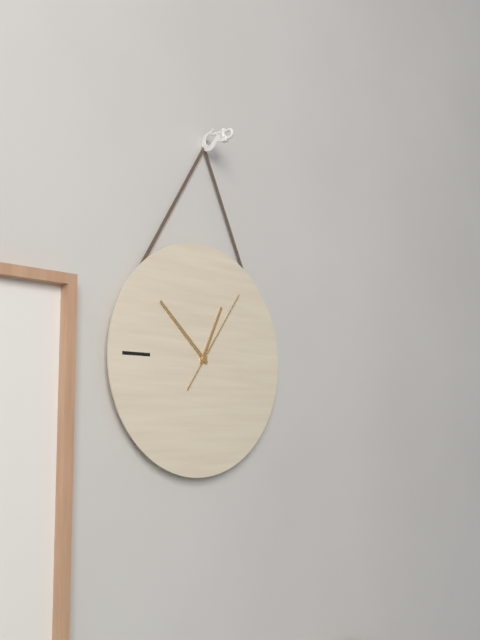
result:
12,52,06
